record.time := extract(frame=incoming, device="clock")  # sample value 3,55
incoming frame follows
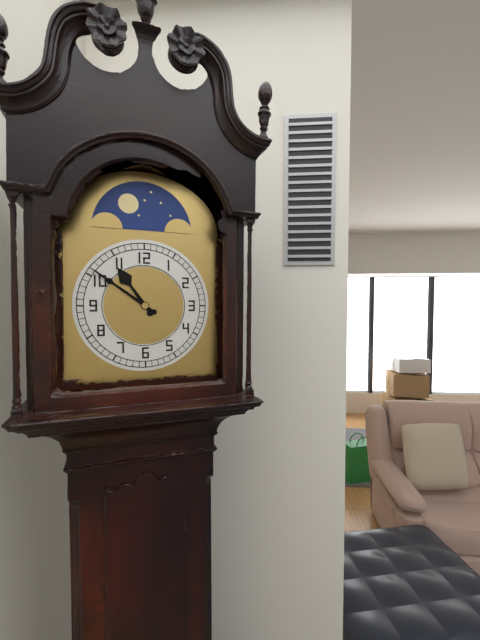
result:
10,51
